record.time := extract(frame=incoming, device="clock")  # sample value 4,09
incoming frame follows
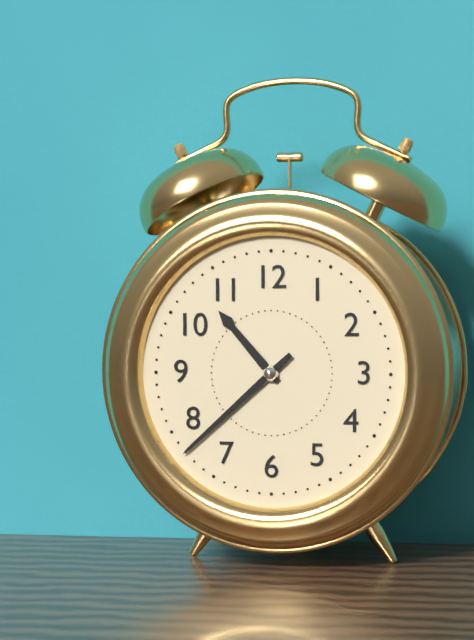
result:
10,38
